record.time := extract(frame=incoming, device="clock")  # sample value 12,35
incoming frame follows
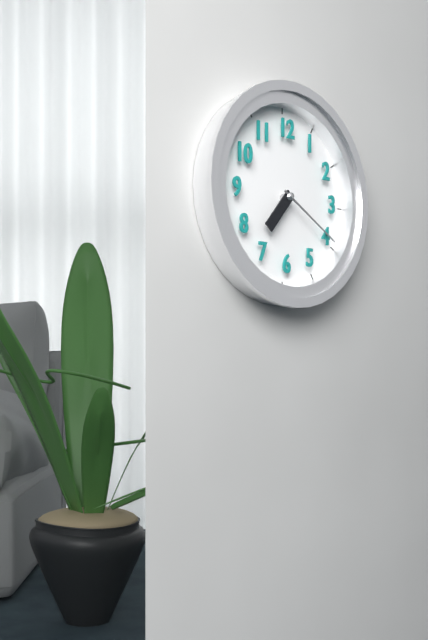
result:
7,20
